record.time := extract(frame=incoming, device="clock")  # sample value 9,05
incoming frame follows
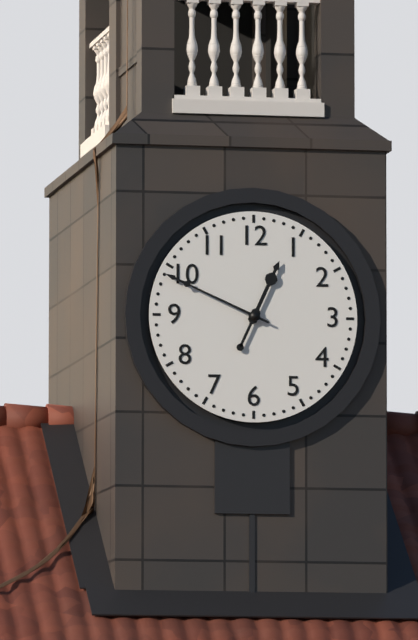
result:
12,49
